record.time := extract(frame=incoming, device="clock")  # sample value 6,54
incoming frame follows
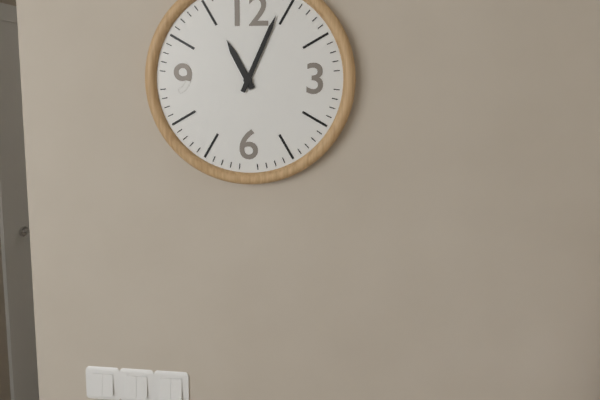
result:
11,04
